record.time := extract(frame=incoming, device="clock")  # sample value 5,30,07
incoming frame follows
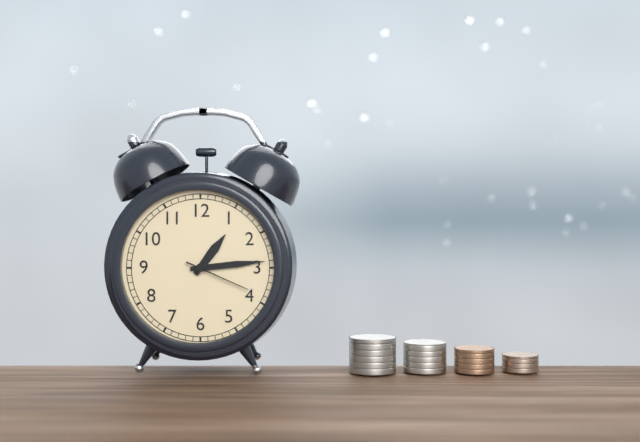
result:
1,14,19
